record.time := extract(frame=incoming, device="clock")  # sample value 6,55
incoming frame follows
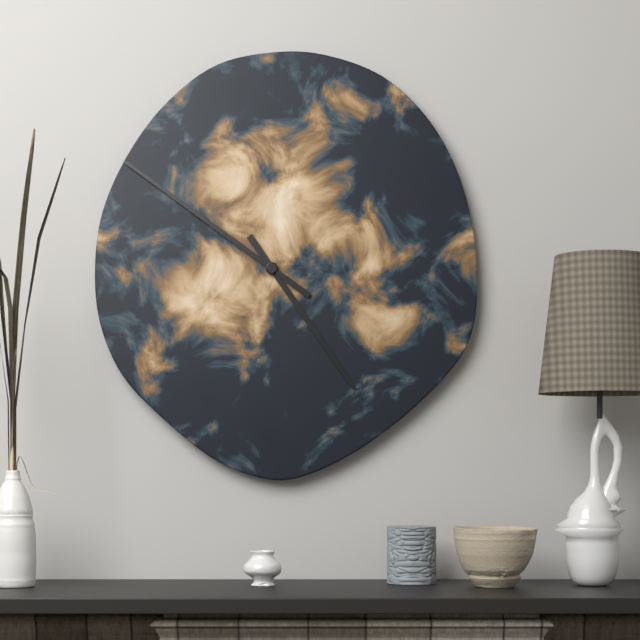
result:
4,51
